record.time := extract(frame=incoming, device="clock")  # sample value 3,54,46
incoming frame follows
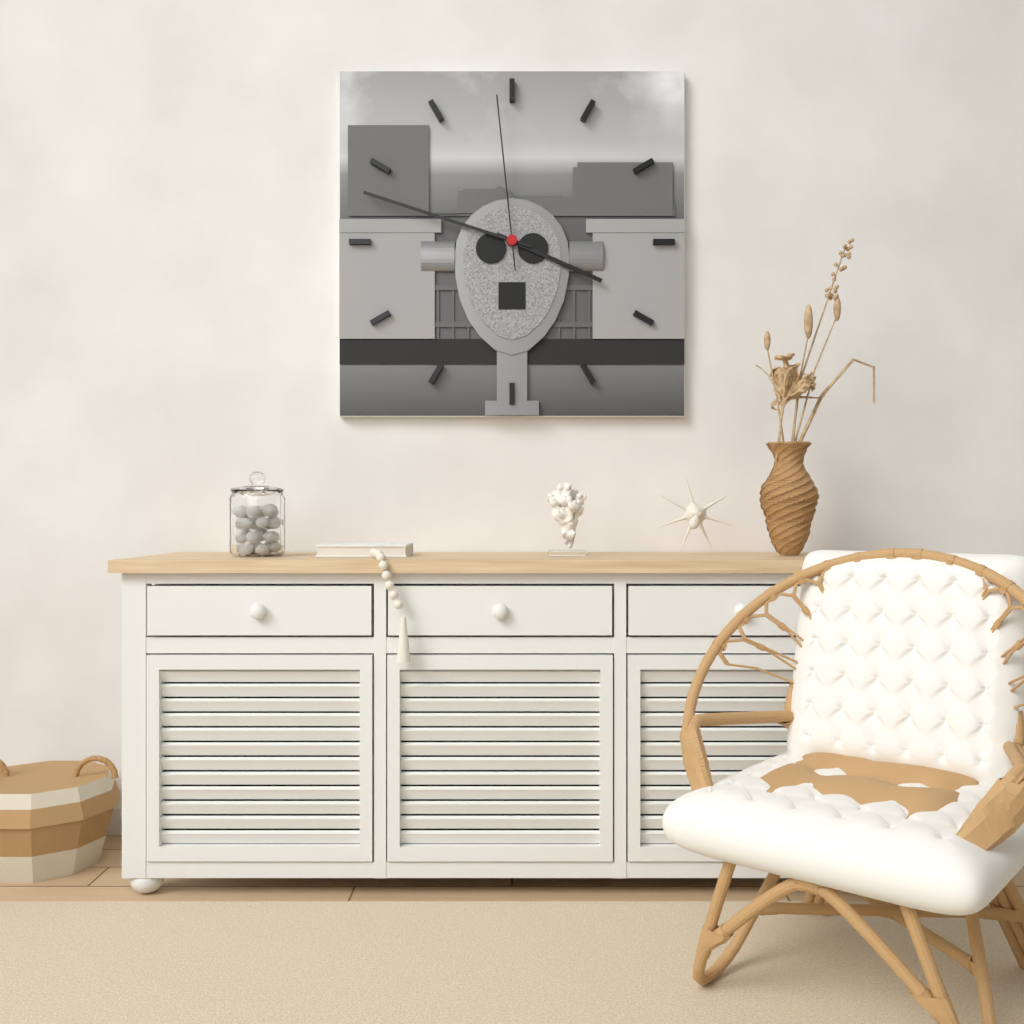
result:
3,48,59
